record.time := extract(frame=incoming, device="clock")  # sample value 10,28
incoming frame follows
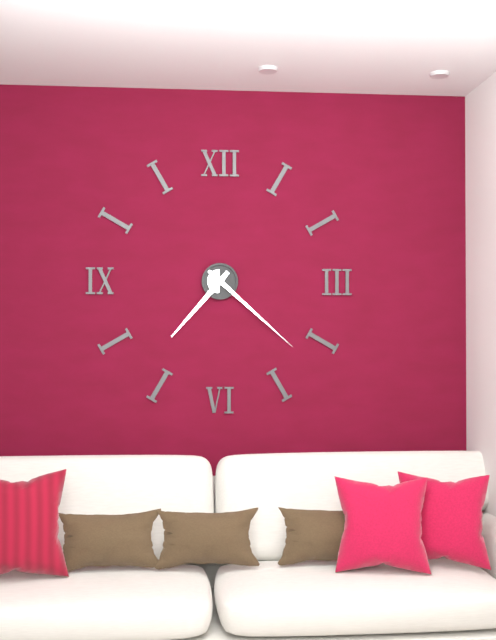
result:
7,22
